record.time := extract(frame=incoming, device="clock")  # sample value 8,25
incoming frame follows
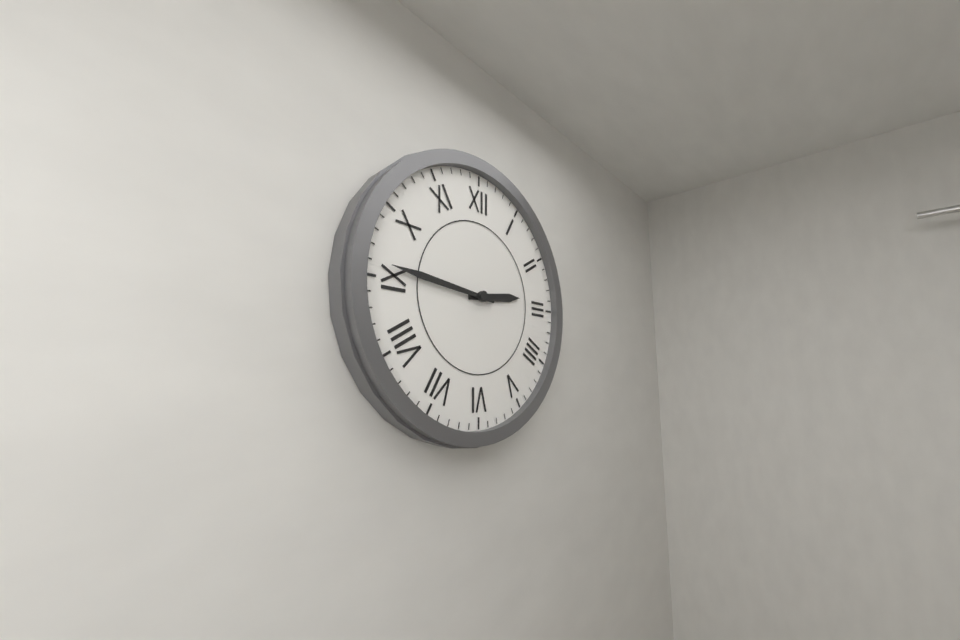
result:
2,46
